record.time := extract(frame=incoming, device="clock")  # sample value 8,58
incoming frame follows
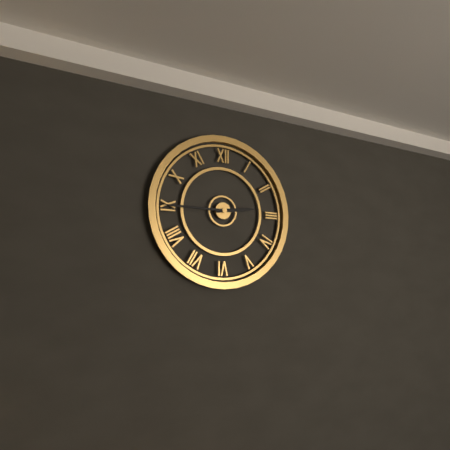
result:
2,45
